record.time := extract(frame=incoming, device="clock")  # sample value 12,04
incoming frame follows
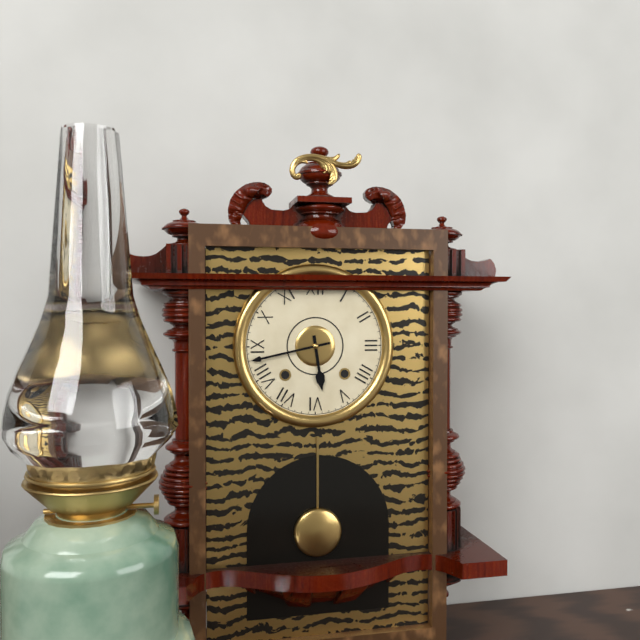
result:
5,43
